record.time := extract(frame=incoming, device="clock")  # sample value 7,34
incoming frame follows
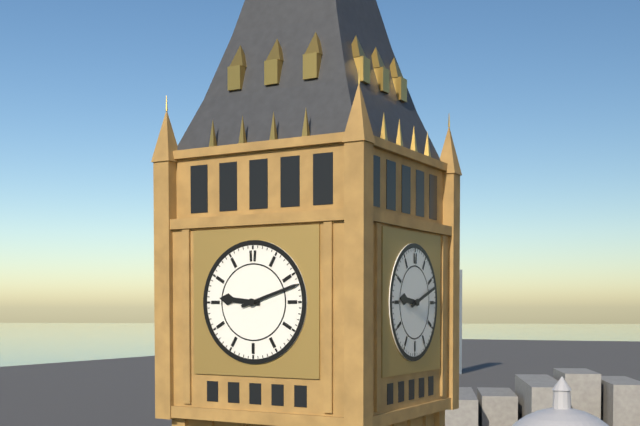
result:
9,12
